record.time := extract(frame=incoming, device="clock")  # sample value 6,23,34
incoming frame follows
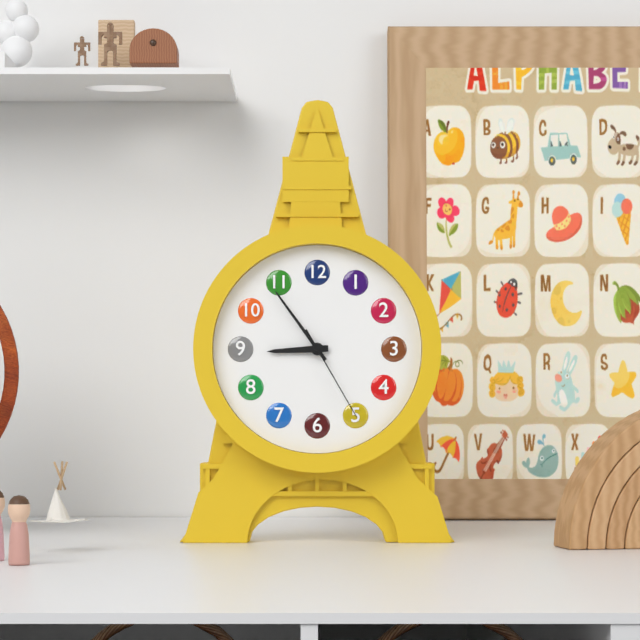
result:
8,54,25
